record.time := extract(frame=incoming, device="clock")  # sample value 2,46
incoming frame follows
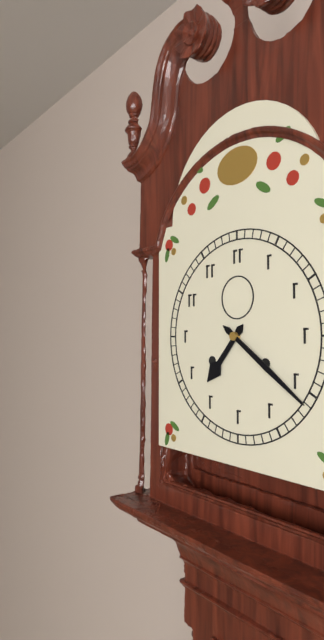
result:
7,21
